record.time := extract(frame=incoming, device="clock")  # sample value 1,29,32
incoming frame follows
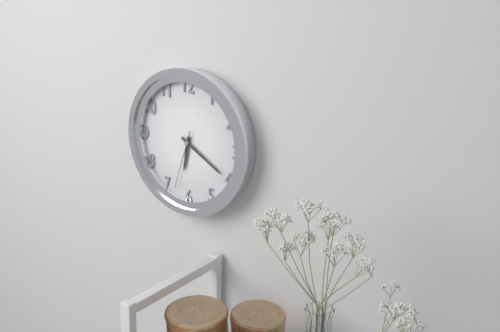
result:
6,20,33
